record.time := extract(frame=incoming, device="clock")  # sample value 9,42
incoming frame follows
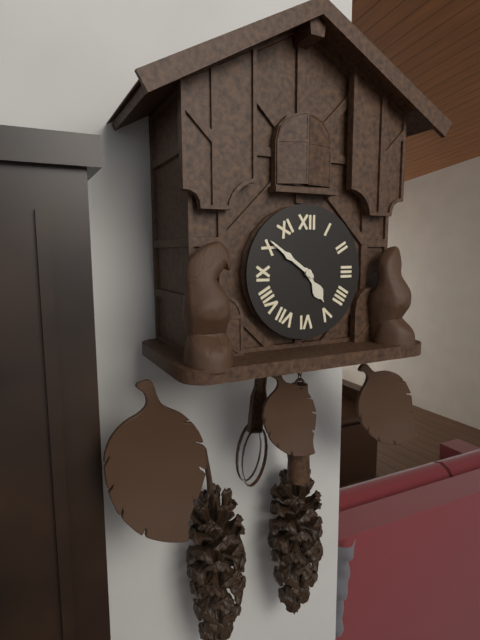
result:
4,51
